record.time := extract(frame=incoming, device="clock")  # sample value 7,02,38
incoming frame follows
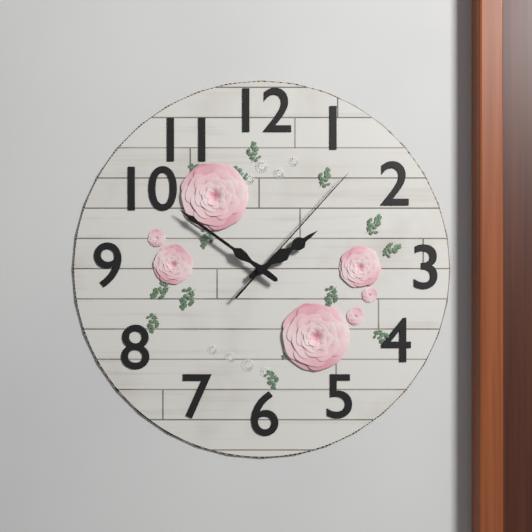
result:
1,51,07
